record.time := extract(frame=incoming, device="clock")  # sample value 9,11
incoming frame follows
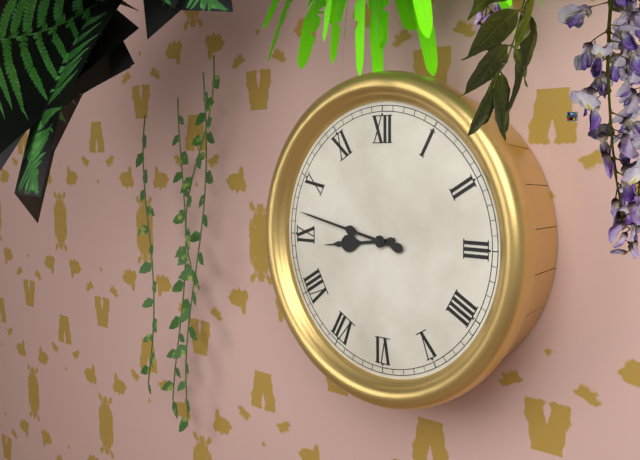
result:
8,47
